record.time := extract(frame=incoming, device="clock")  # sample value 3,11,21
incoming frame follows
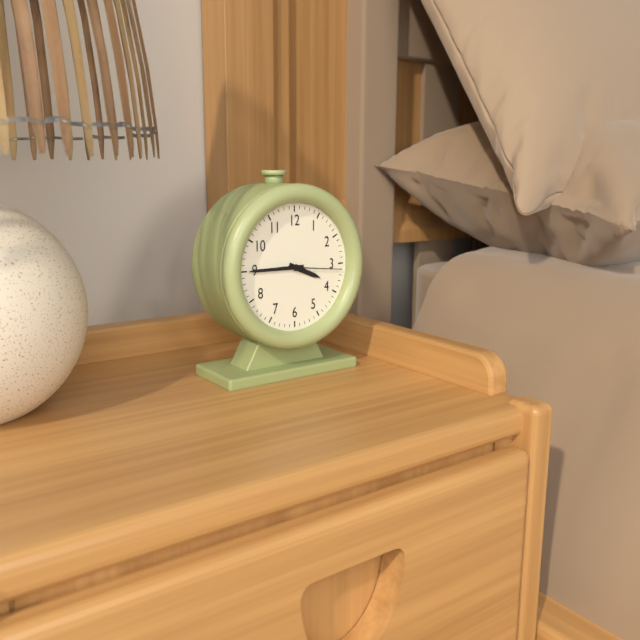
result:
3,45,16
